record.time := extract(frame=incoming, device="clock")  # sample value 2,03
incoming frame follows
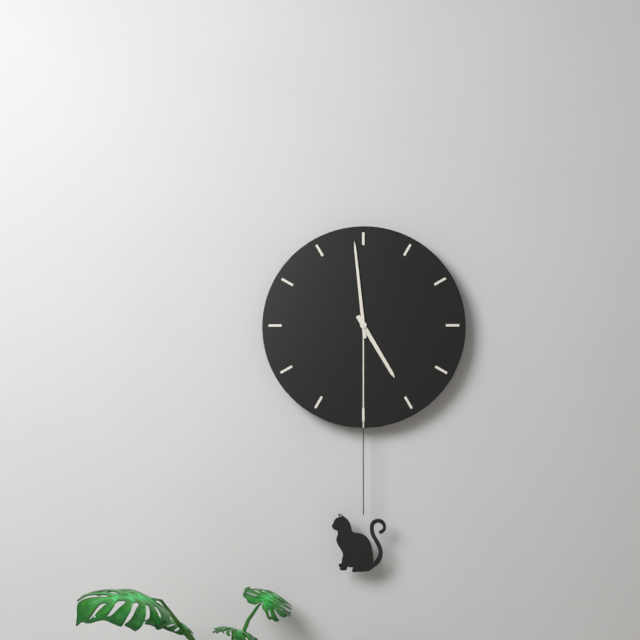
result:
4,59
